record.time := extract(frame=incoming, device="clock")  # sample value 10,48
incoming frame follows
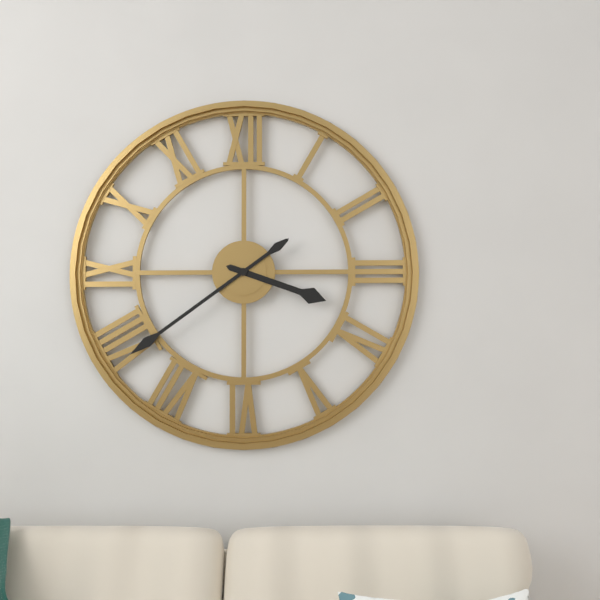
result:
3,39
